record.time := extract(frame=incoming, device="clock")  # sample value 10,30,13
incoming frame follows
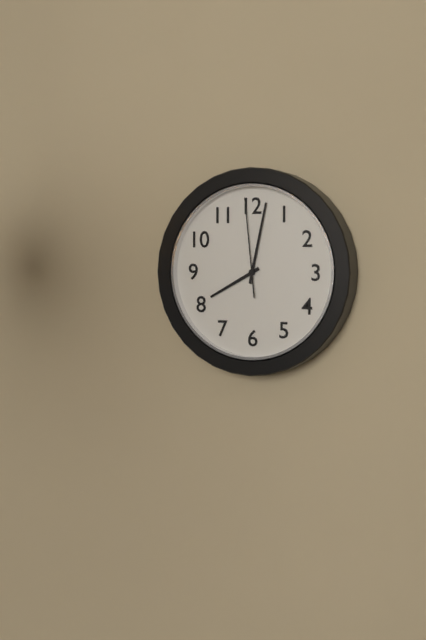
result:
8,02,59
